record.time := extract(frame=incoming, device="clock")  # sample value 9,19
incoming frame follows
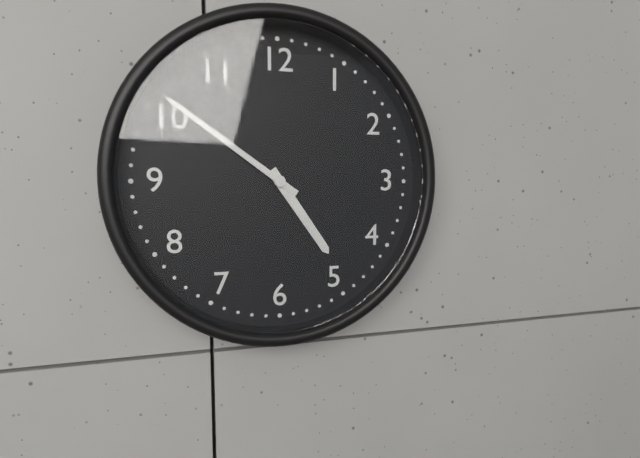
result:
4,51
